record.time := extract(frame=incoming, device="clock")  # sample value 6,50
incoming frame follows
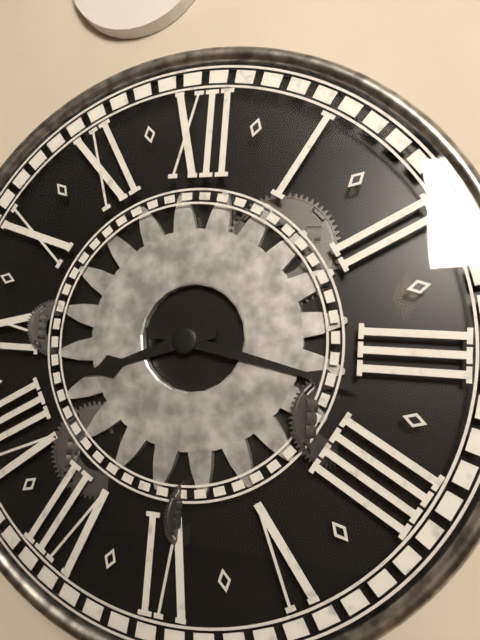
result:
8,17
